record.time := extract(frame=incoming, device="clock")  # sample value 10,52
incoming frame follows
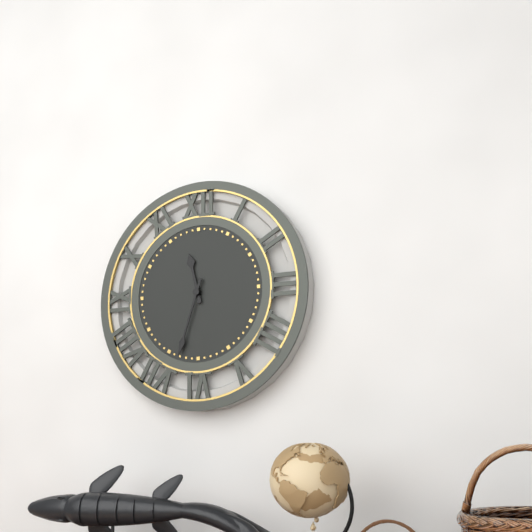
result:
11,33
